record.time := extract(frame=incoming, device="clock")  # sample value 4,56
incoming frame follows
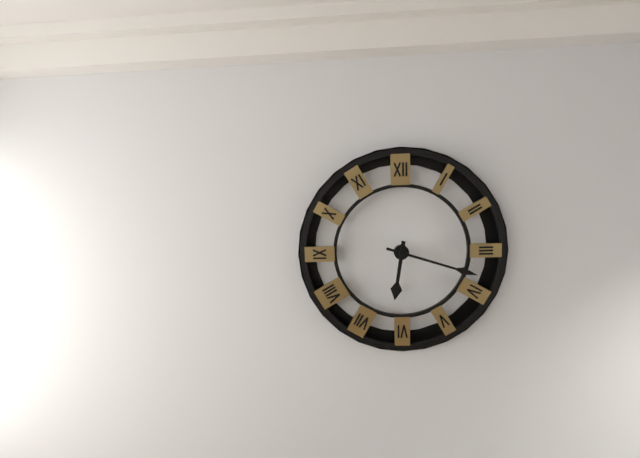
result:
6,18
